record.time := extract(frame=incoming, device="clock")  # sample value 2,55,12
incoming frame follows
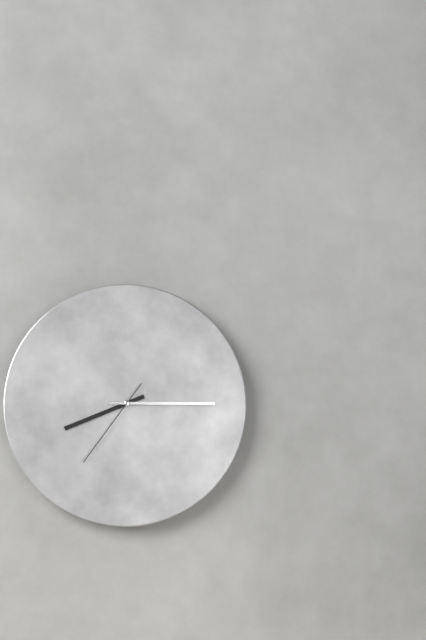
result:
8,15,36
